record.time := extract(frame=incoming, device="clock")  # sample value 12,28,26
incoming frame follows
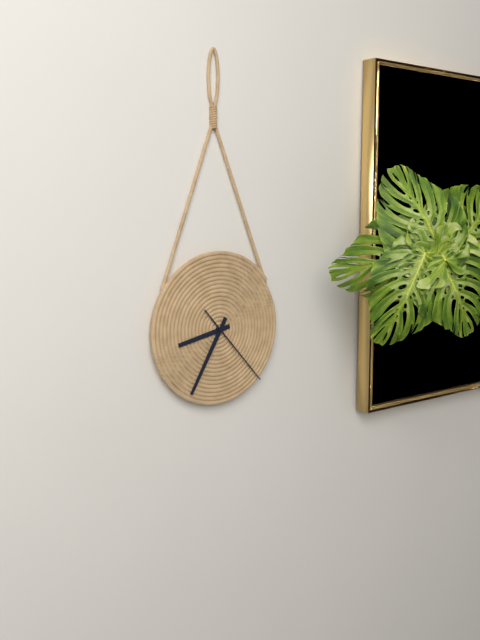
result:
8,35,23
